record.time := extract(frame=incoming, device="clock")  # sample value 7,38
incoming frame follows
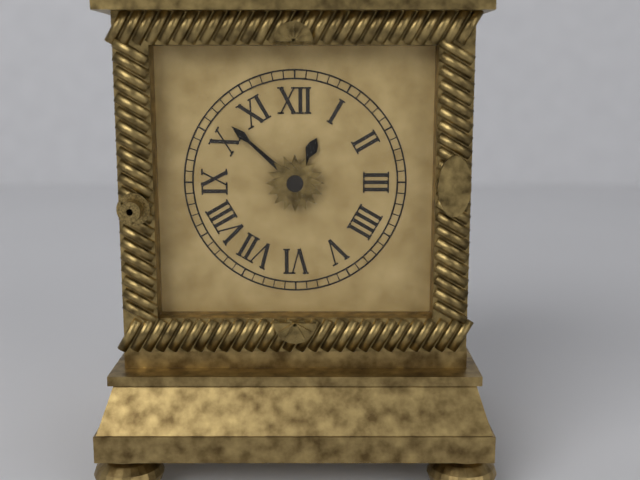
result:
12,52
